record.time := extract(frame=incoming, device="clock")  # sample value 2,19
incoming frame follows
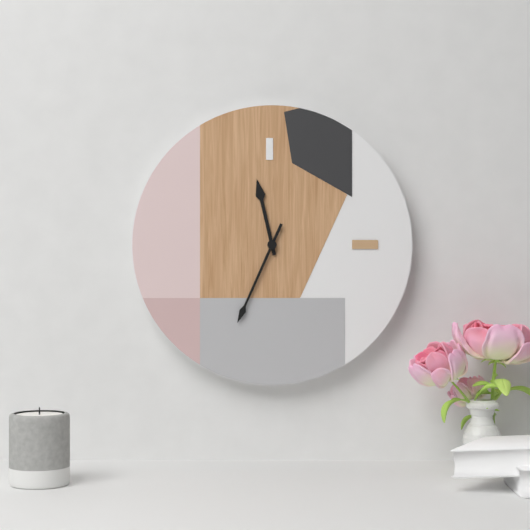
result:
11,34
